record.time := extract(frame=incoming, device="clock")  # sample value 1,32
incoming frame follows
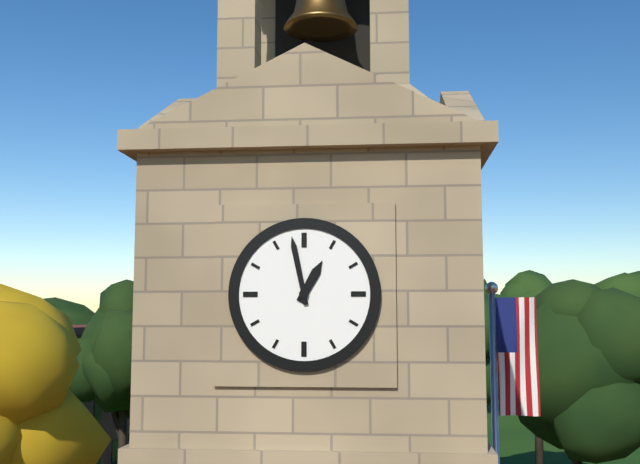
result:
12,58
